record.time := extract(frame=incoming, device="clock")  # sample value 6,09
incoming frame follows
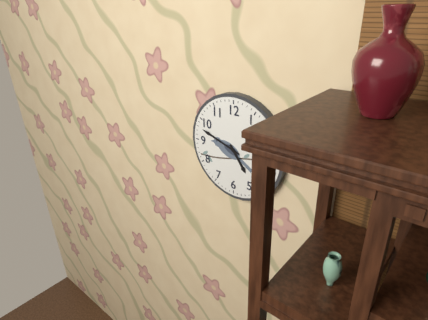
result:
4,48
